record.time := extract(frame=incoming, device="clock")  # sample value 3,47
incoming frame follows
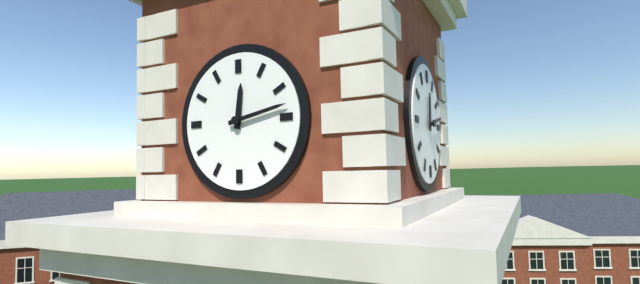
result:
12,13
